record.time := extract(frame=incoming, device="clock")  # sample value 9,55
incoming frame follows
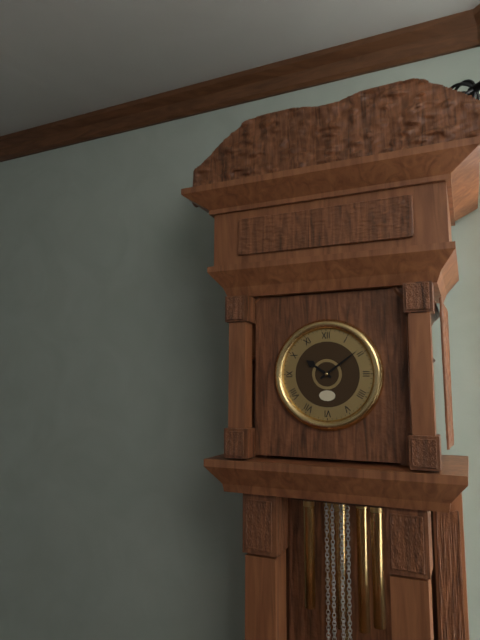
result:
10,09
